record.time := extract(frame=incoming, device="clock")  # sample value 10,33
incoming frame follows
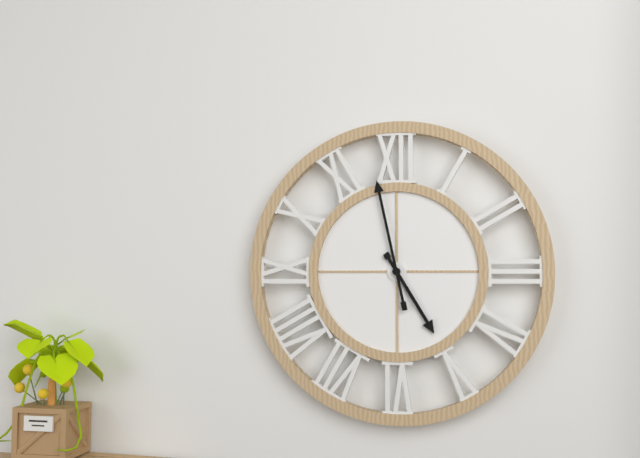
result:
4,58
